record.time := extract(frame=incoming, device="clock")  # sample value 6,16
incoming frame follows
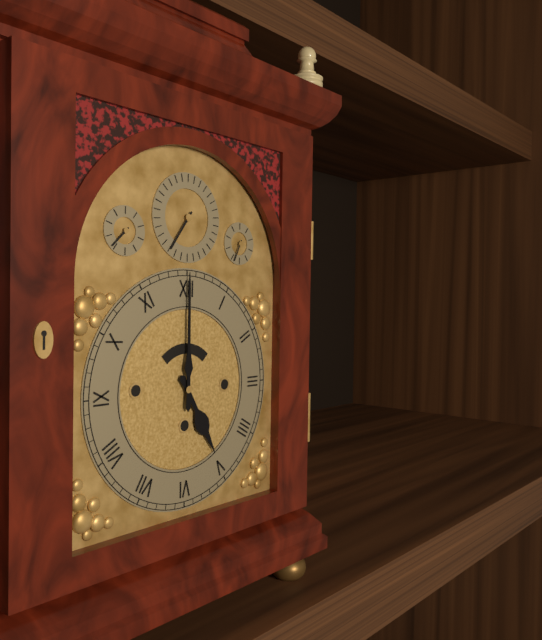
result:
5,00
